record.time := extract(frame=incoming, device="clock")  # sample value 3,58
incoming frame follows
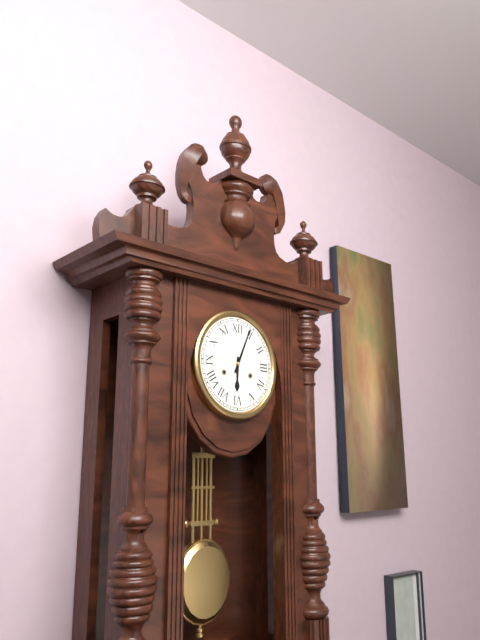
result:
6,04
